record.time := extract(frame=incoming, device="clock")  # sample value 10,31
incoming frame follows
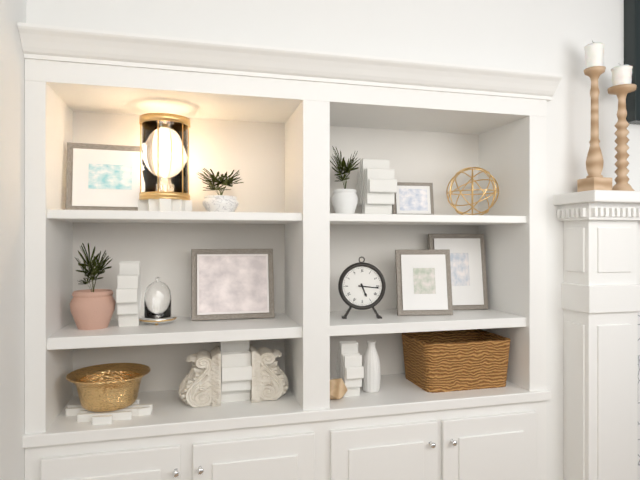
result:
5,16
